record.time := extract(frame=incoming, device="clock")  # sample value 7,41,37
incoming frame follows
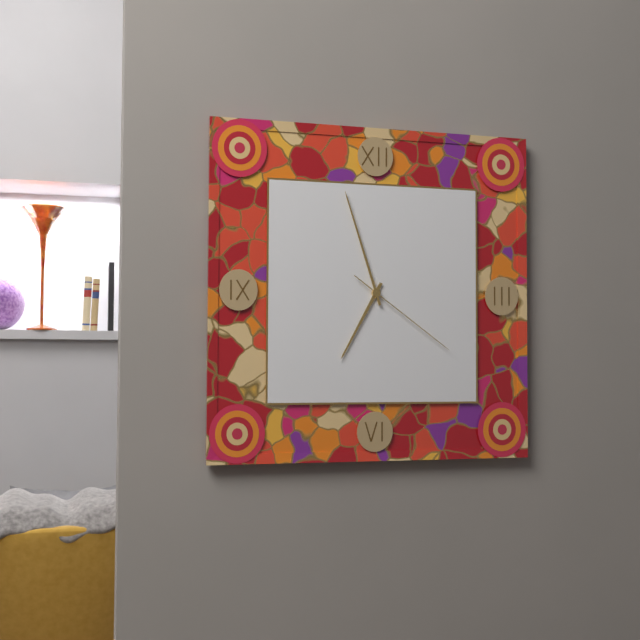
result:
6,57,21
